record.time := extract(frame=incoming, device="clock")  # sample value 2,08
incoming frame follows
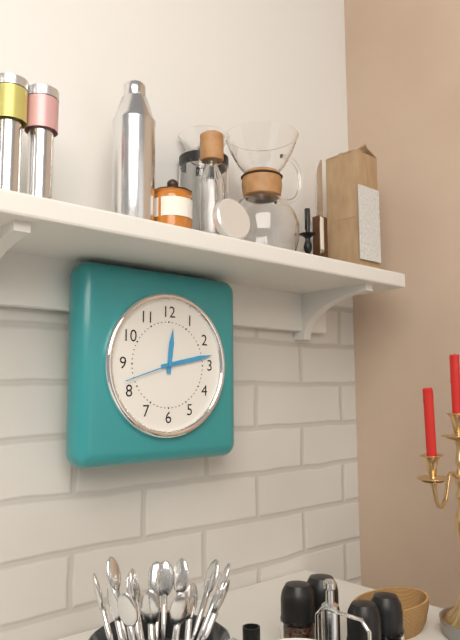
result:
12,13
